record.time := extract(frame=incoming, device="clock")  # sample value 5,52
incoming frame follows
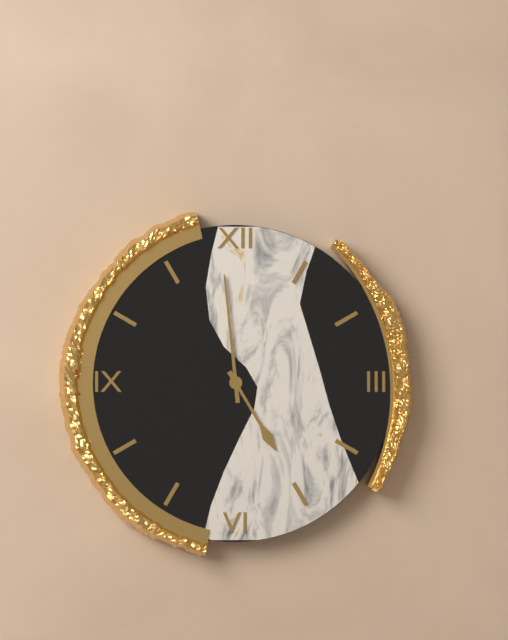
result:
4,59
